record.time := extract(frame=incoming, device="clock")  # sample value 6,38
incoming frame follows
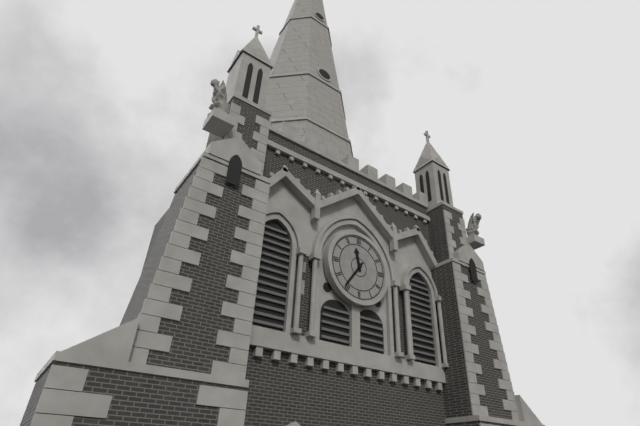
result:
11,36
